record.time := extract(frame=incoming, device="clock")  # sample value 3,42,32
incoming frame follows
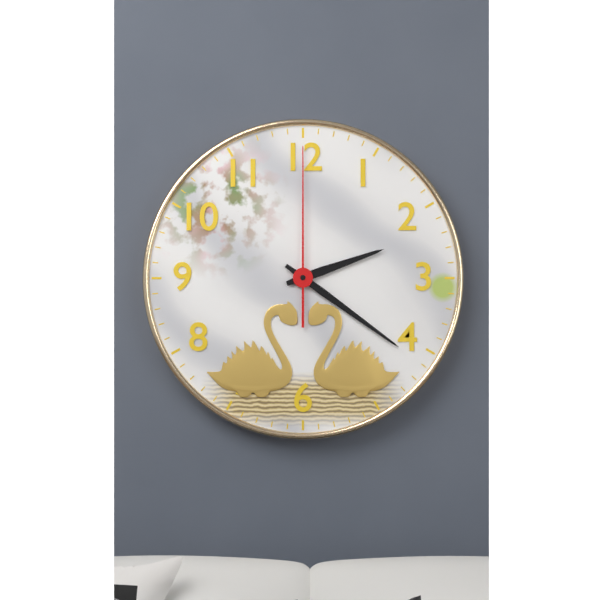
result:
2,21,00
